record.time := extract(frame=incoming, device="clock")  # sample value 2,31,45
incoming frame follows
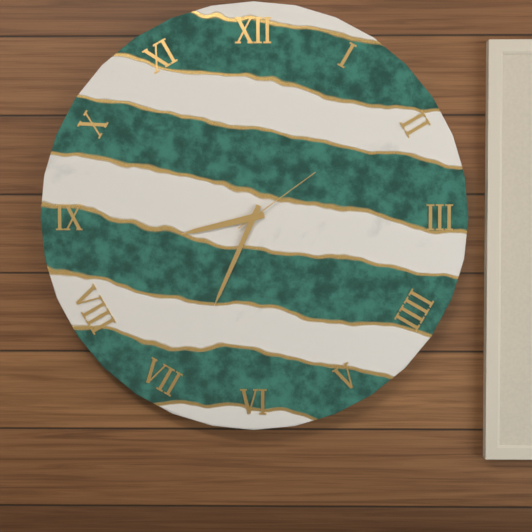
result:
8,34,09
